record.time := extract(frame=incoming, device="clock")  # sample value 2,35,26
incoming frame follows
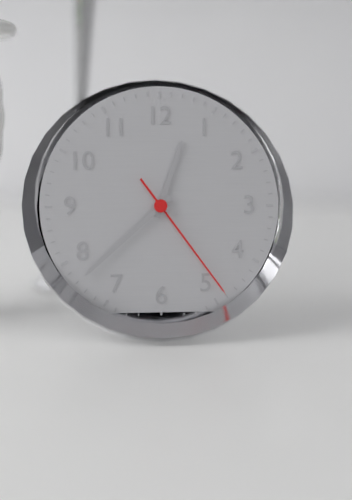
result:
12,38,24
